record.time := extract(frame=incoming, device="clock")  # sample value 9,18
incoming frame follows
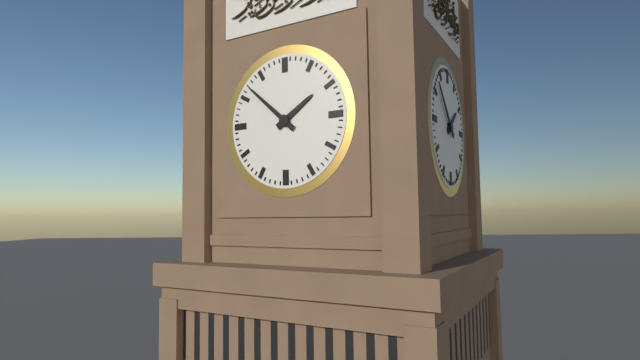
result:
1,52
